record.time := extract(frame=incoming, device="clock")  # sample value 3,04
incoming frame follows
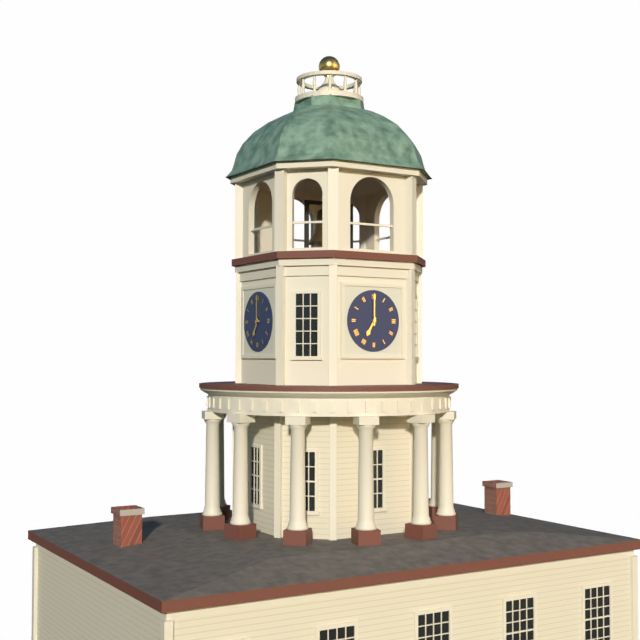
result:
7,00
